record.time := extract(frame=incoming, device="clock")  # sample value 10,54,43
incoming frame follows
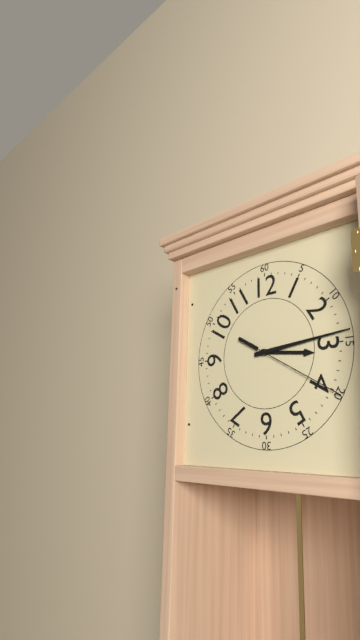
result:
3,14,20
